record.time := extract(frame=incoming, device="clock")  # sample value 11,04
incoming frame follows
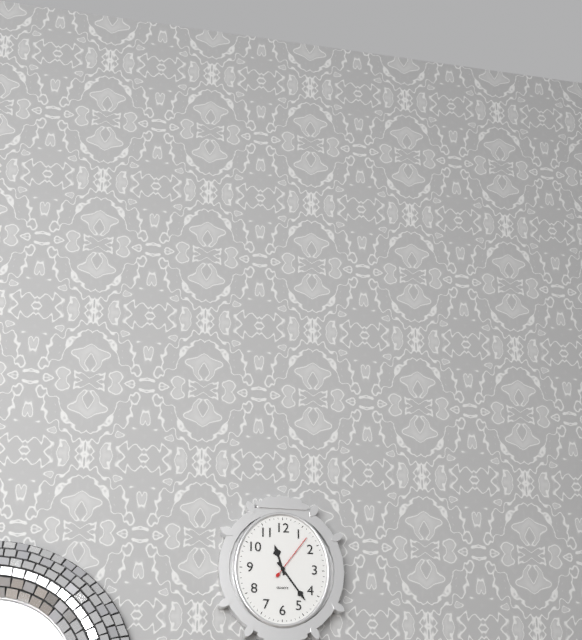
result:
11,24
